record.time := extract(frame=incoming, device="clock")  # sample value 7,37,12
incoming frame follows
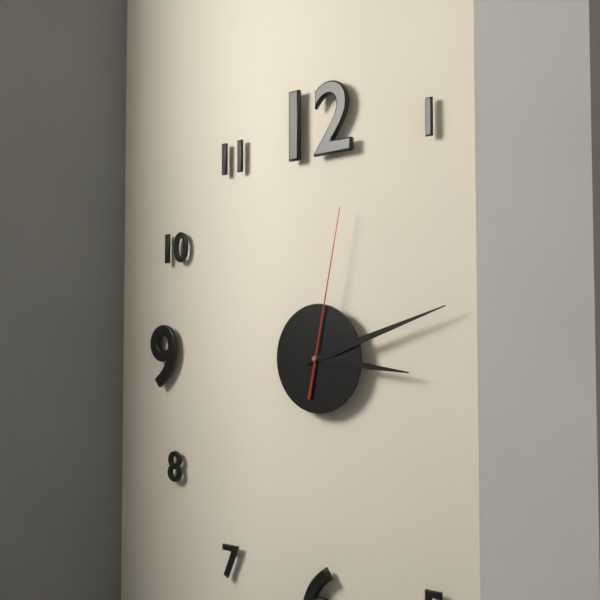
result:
3,12,02
